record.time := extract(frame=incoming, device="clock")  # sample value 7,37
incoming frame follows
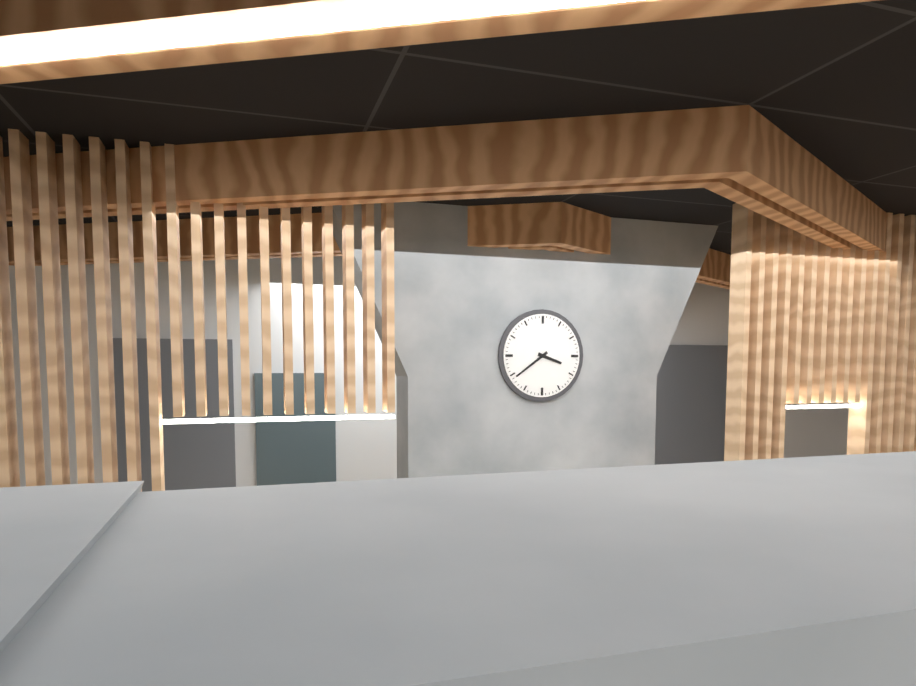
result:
3,39
